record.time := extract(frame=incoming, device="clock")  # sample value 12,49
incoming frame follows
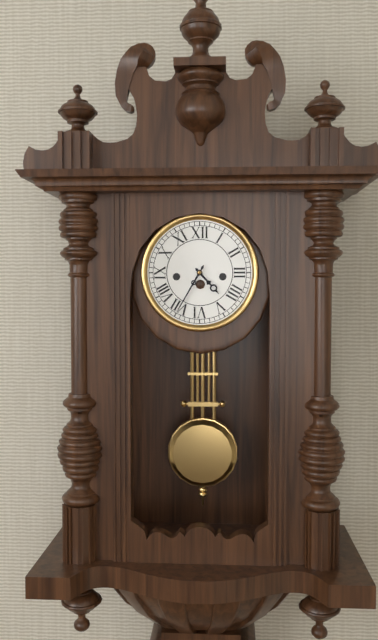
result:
4,35
